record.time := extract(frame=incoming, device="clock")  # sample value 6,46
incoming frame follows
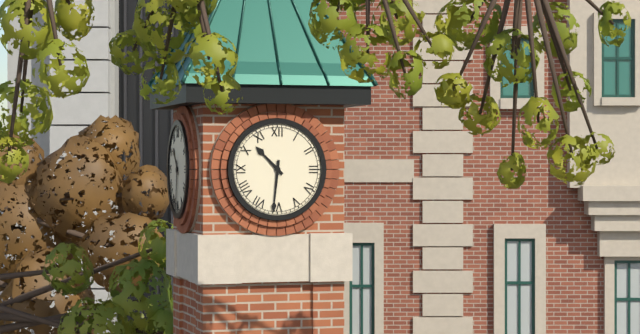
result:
10,31
